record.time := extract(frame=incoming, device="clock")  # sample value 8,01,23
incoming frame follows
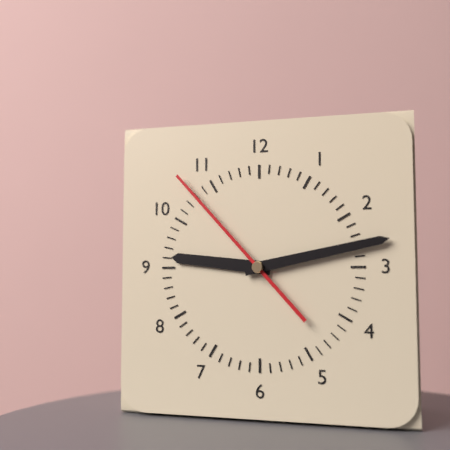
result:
9,13,53
